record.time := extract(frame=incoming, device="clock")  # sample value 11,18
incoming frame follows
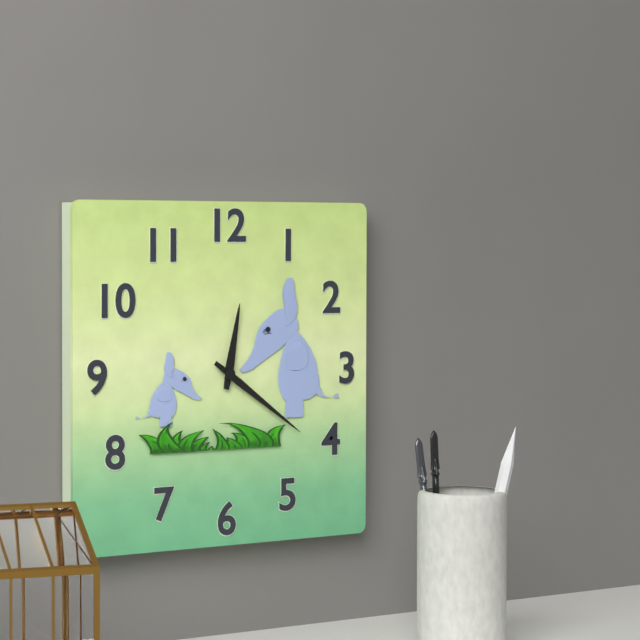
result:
12,21
